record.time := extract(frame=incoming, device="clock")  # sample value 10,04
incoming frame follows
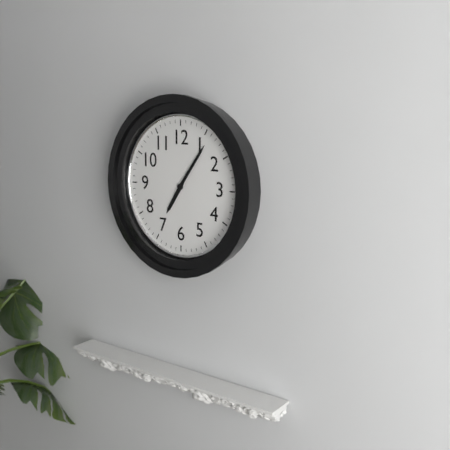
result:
7,06
